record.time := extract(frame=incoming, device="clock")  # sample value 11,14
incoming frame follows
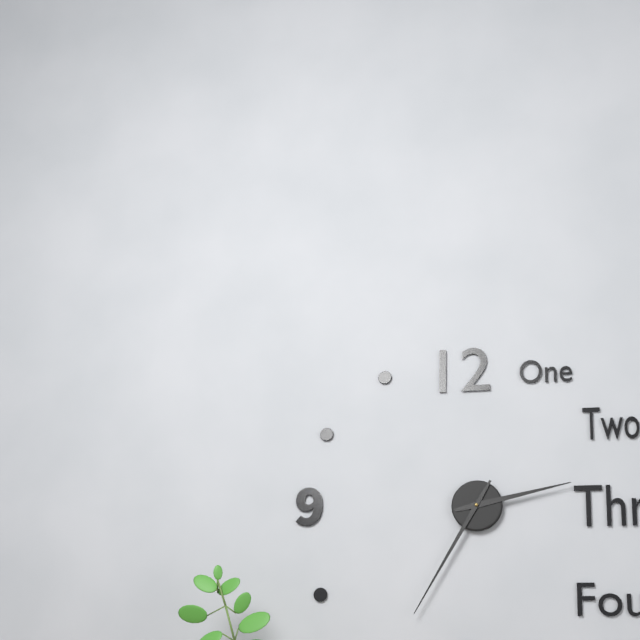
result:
2,35
